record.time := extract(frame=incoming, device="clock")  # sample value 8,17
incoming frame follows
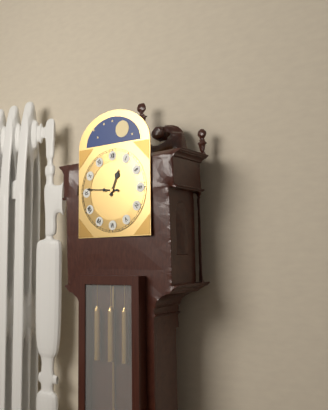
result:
12,46
